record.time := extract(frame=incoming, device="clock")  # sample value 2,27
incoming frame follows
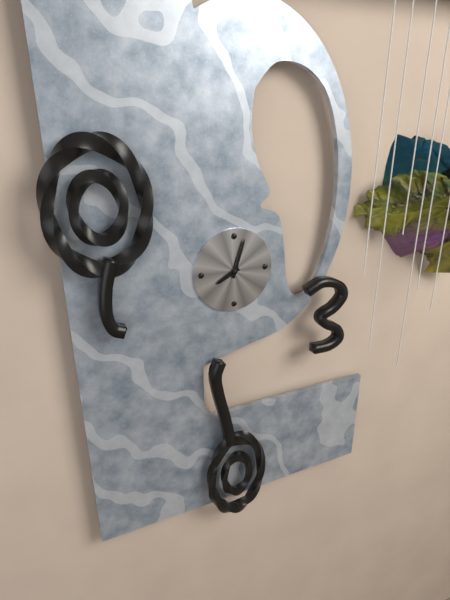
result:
8,03
